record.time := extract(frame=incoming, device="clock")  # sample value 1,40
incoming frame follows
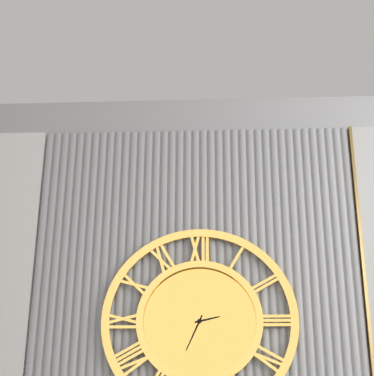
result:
2,34
